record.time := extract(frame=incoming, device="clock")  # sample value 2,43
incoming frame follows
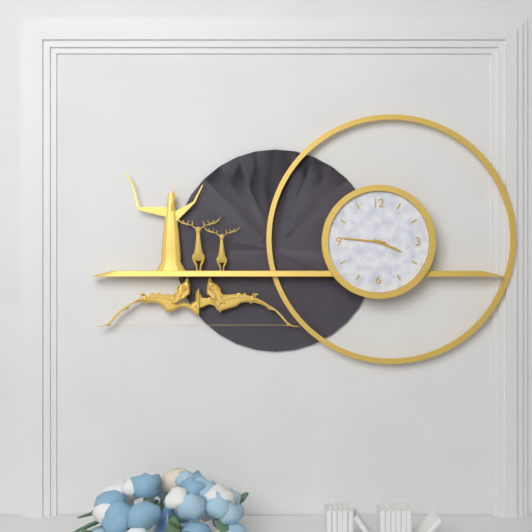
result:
3,46
